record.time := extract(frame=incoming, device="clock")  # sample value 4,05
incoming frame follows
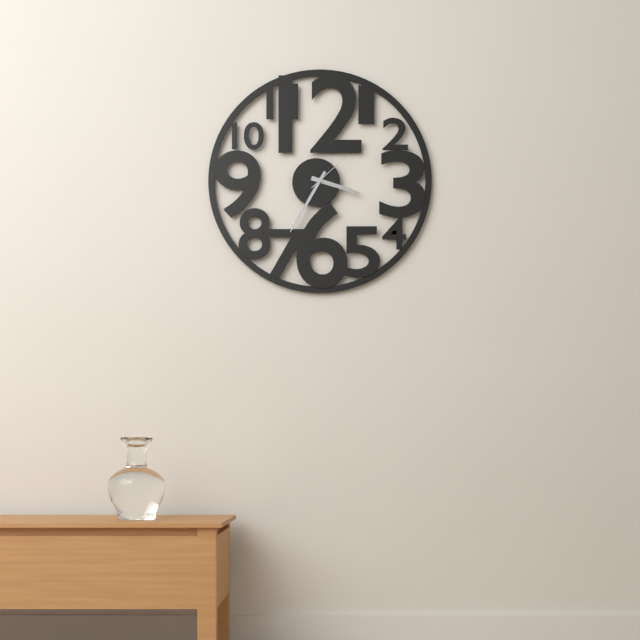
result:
3,35
